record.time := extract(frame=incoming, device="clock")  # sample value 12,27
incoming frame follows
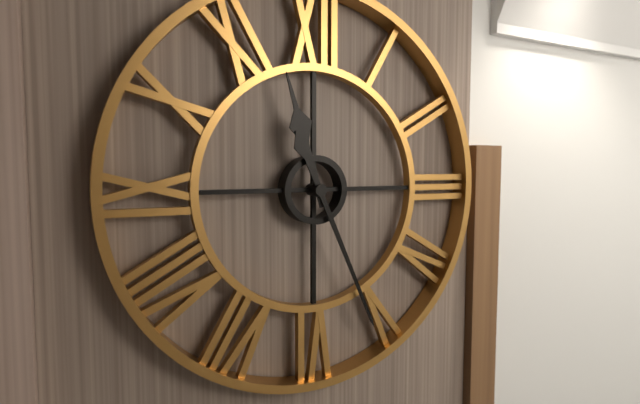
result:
11,26
